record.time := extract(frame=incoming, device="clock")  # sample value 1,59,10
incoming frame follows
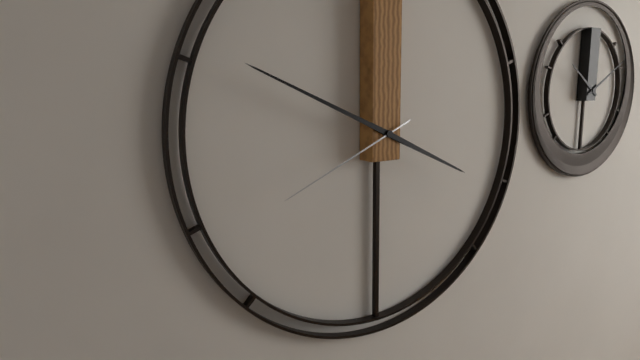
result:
3,49,41
